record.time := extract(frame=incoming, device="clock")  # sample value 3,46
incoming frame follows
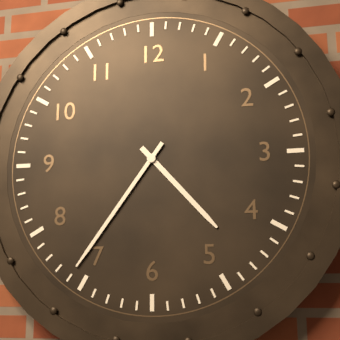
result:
4,36
